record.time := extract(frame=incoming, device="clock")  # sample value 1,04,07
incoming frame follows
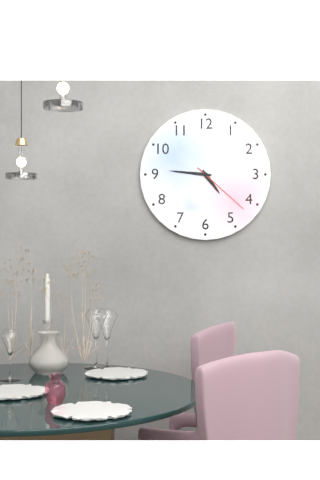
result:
4,46,22
